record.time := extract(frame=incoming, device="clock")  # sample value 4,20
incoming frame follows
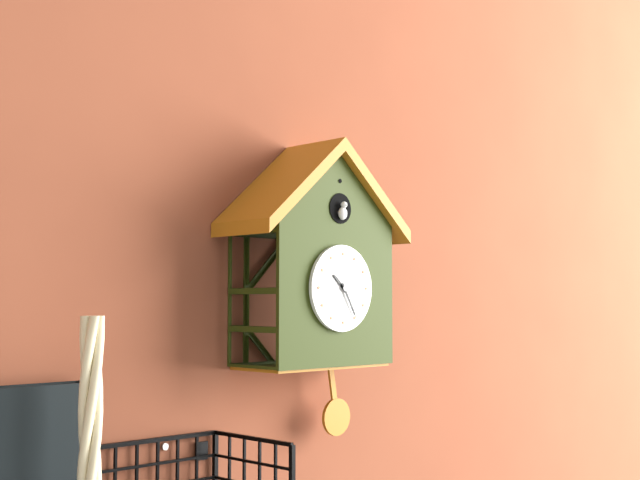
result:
10,25
